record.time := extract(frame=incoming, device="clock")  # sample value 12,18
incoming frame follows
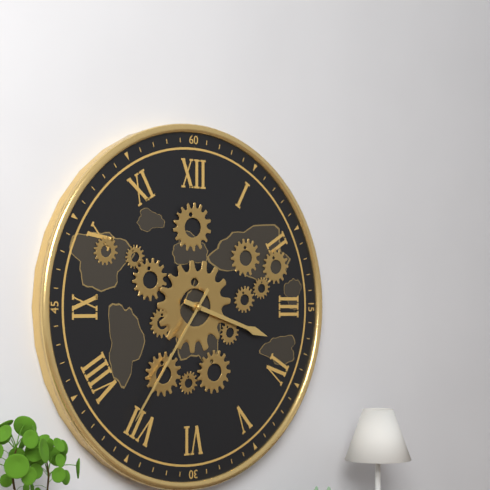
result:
3,36
